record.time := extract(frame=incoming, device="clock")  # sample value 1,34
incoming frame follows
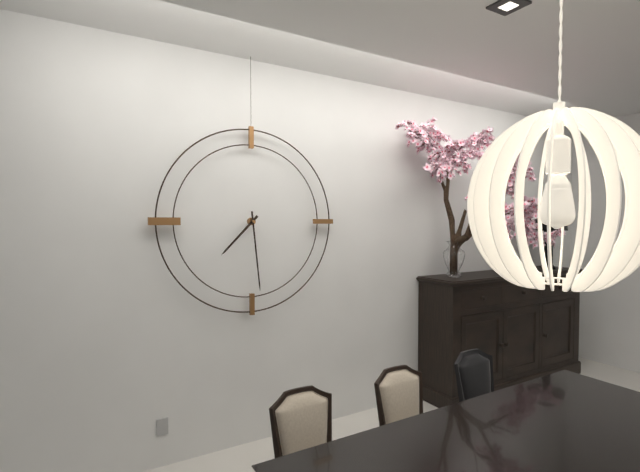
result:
7,29
